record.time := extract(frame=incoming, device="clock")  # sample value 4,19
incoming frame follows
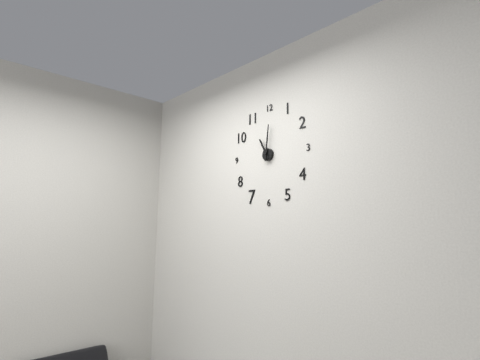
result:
11,01
